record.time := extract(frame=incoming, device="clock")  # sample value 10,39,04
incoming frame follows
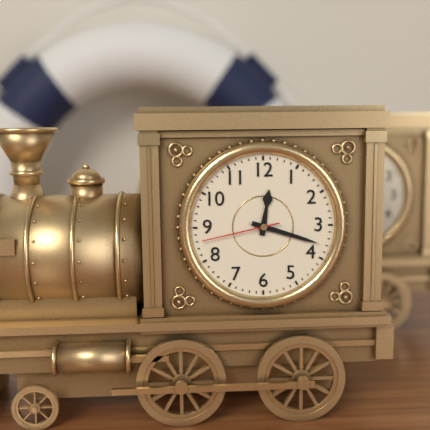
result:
12,18,43
